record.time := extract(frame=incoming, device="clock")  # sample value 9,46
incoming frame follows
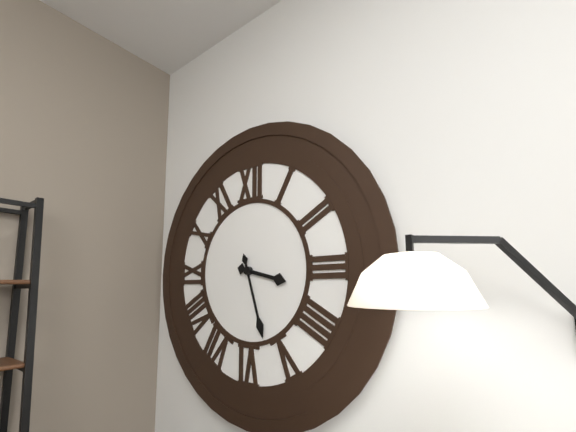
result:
3,27
